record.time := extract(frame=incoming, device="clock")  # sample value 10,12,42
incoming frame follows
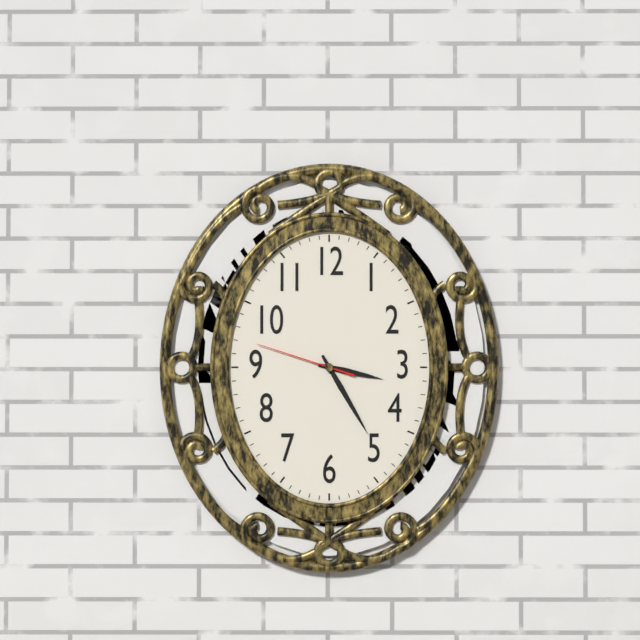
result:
3,25,48
